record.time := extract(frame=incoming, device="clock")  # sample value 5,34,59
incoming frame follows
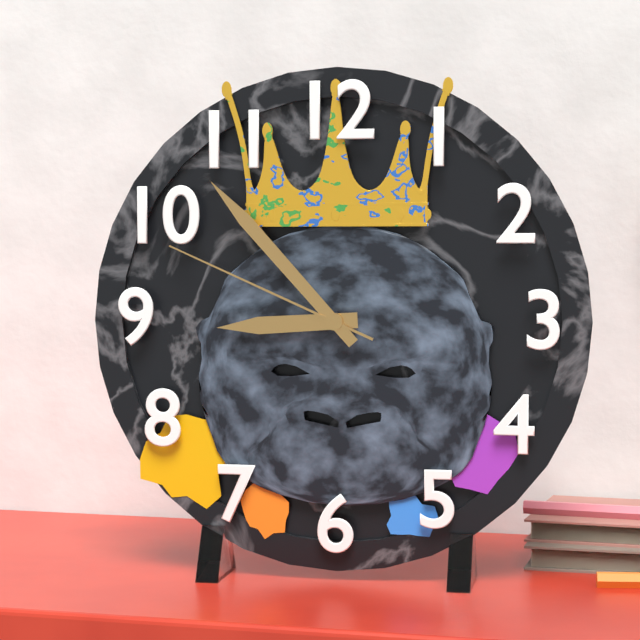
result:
8,53,49
